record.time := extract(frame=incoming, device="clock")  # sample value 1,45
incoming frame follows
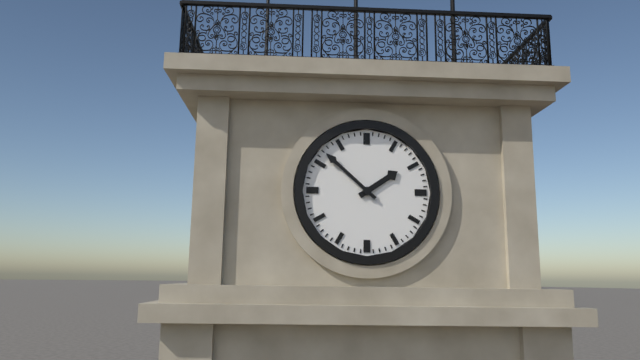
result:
1,52
